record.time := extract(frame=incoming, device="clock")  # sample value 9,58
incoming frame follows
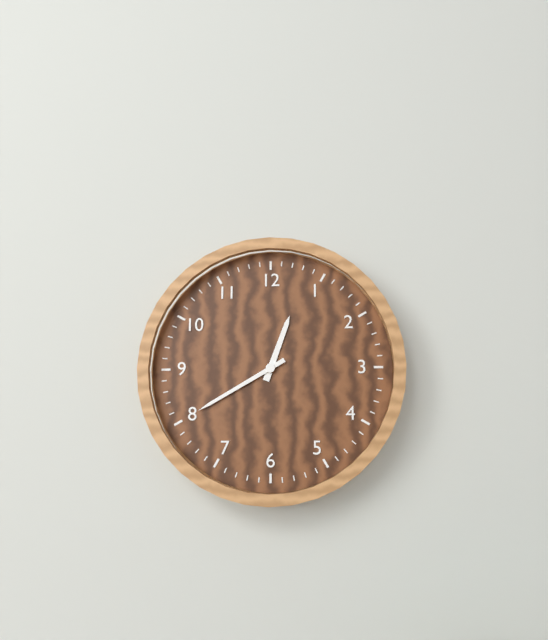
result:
12,40
